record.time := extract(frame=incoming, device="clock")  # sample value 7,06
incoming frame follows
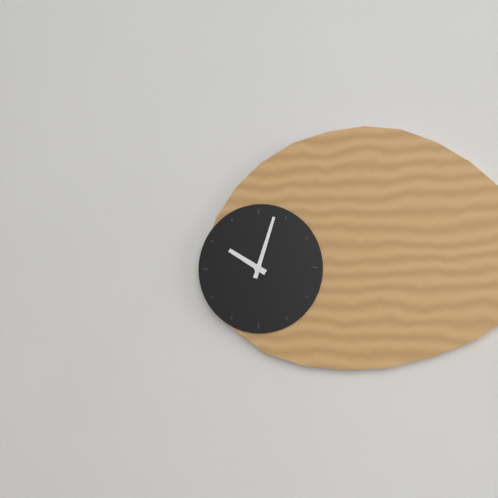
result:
10,03
